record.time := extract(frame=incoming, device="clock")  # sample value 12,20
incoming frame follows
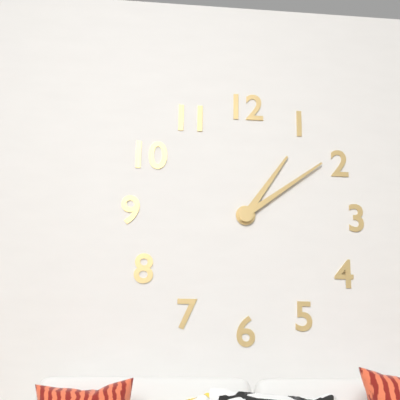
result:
1,09
